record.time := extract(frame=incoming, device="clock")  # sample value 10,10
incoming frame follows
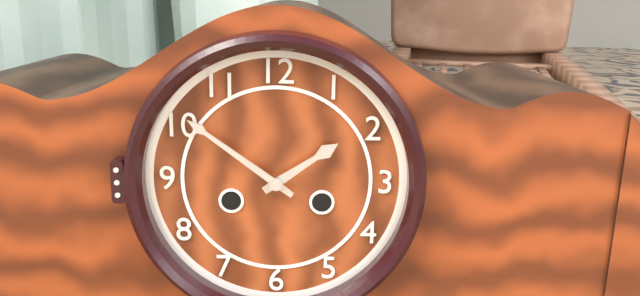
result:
1,51
